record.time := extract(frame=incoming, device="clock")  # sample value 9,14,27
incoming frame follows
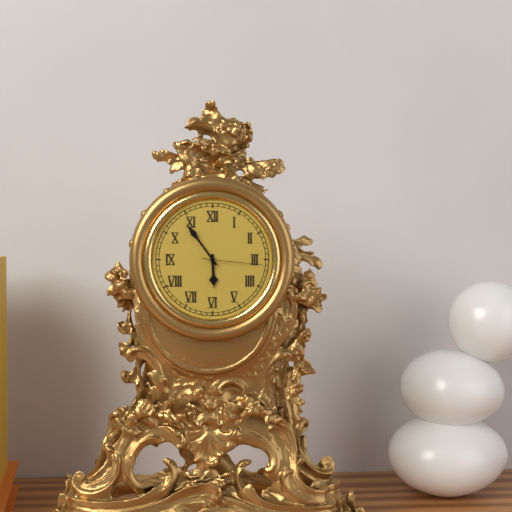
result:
5,54,16
